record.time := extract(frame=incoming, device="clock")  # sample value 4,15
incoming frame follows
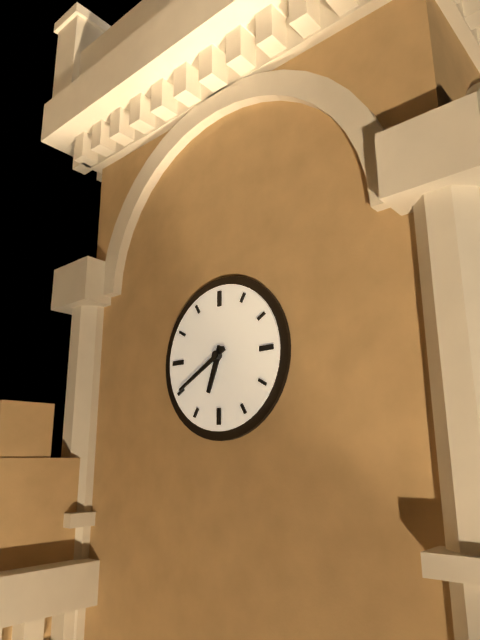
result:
6,40
